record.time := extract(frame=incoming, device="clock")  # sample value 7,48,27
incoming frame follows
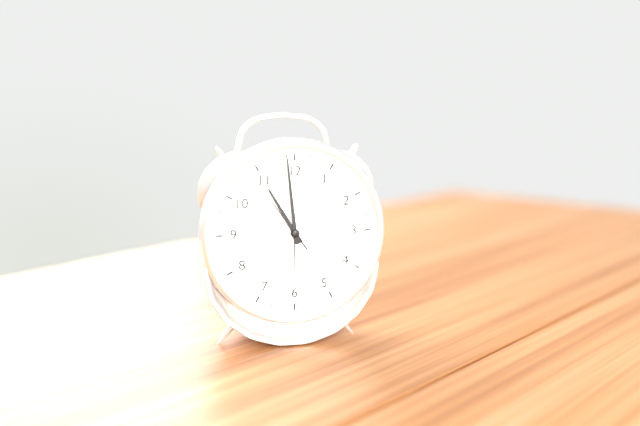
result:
10,59,54
